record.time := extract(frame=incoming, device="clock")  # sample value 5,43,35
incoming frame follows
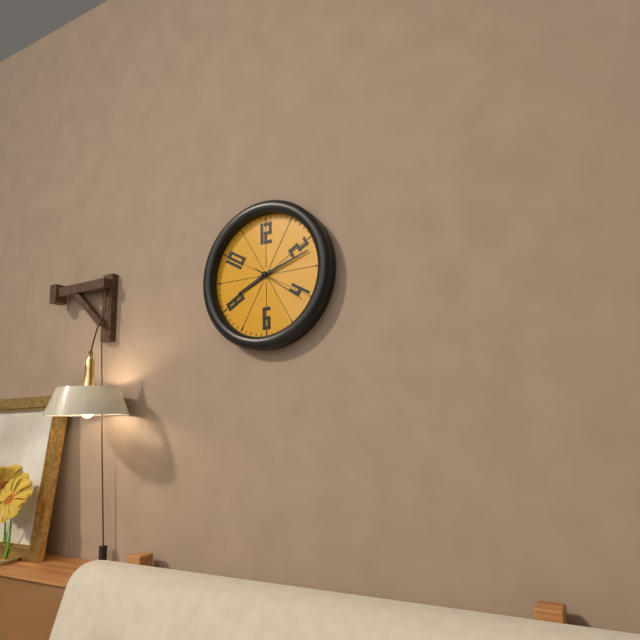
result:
8,12,21
